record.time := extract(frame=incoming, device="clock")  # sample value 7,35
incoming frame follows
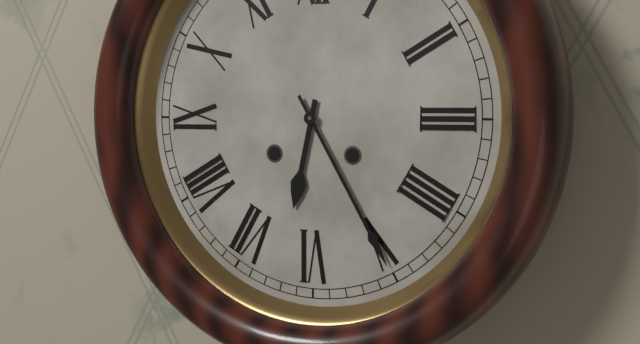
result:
6,25
